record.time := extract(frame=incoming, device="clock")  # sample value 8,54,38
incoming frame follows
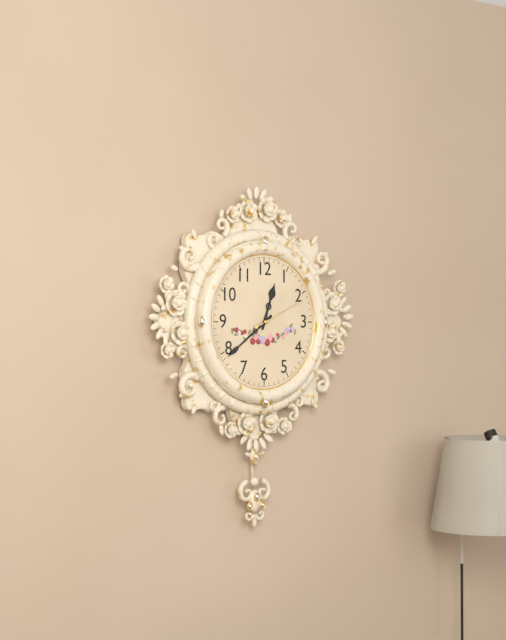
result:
12,39,11
